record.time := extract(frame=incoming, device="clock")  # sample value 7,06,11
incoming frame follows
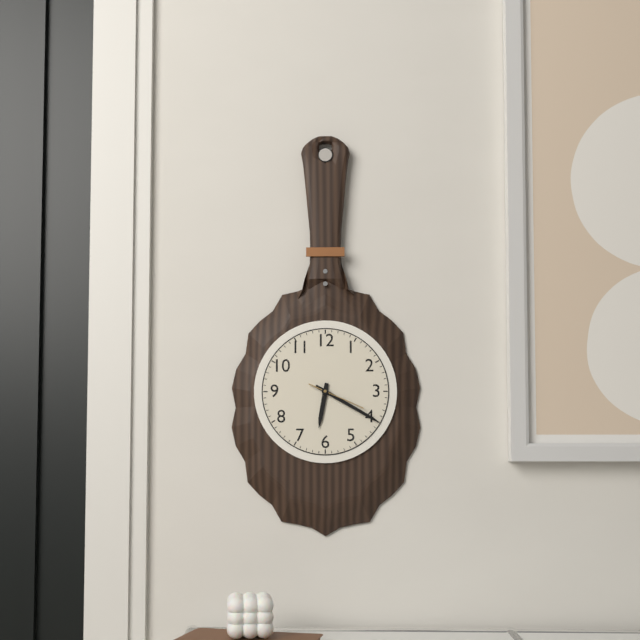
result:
6,20,19
